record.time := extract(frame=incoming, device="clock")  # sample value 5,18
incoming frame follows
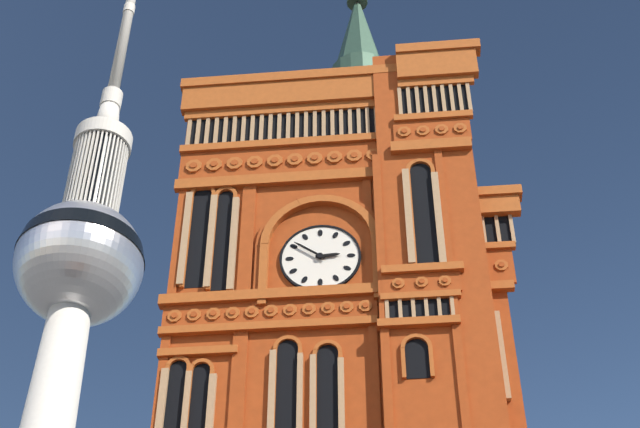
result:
2,51
